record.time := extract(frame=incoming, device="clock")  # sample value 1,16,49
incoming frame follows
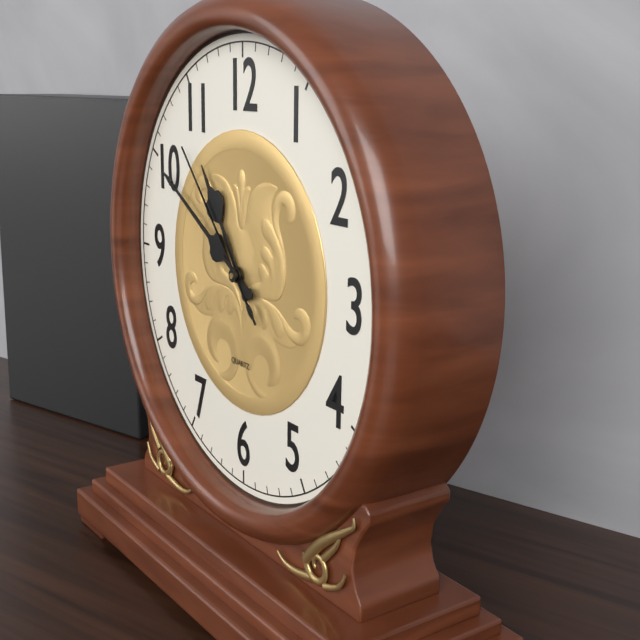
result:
10,50,53
